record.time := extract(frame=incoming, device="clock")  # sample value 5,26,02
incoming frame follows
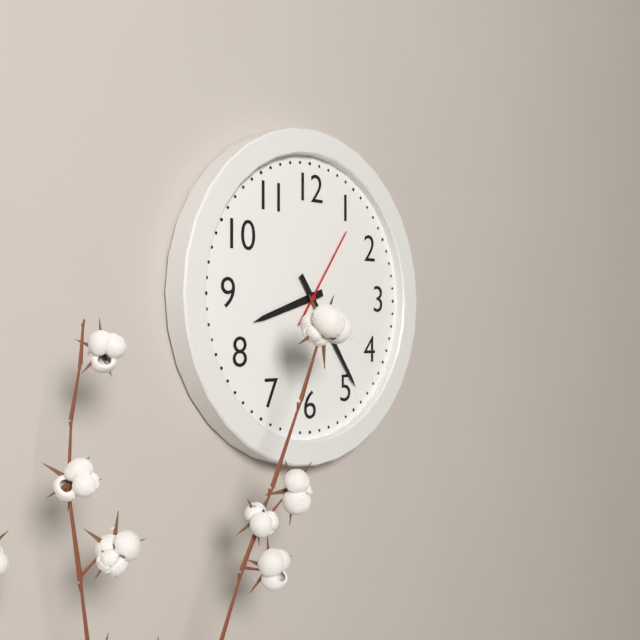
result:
8,24,06
